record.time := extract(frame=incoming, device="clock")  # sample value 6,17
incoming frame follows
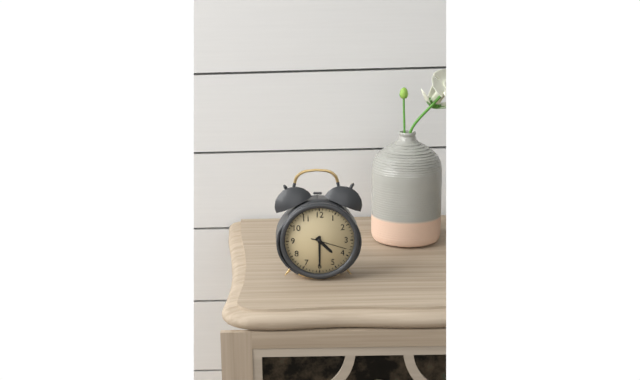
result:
4,30
